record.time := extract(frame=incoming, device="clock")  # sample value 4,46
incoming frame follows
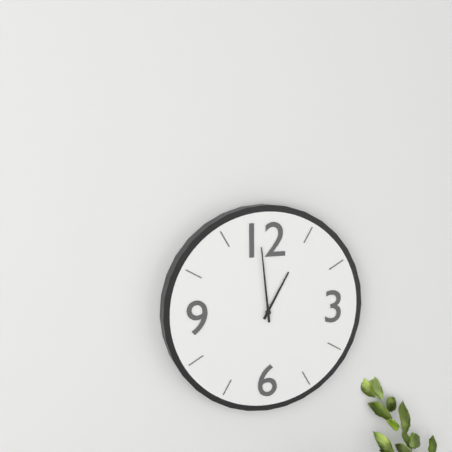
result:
12,59
